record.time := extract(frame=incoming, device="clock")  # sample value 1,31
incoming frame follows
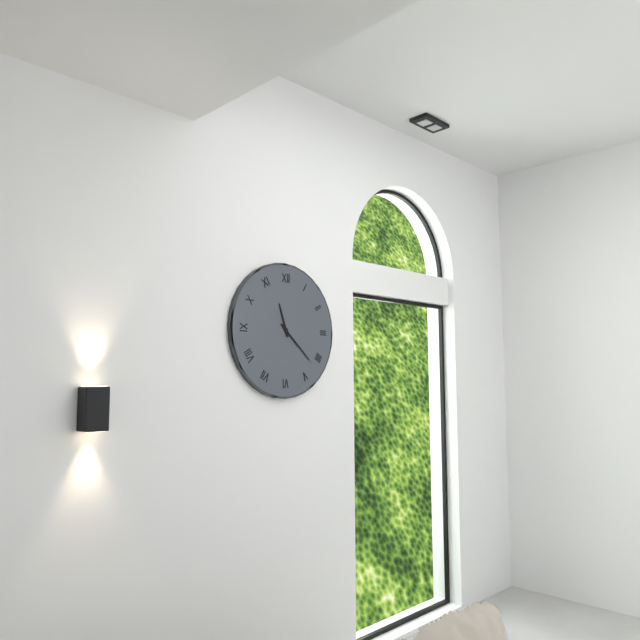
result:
11,22
